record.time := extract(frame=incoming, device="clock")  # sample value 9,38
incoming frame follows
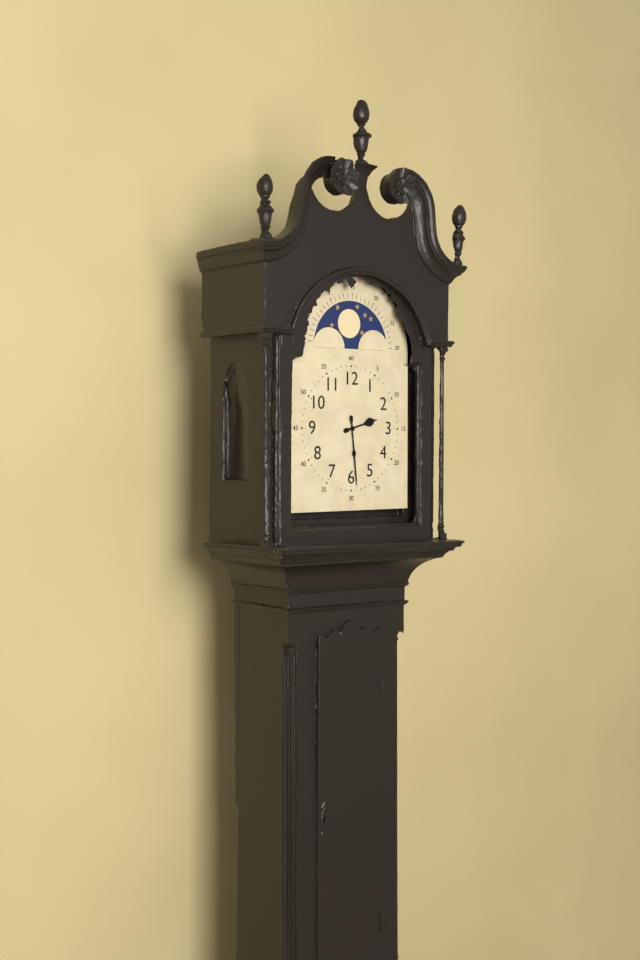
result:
2,29
